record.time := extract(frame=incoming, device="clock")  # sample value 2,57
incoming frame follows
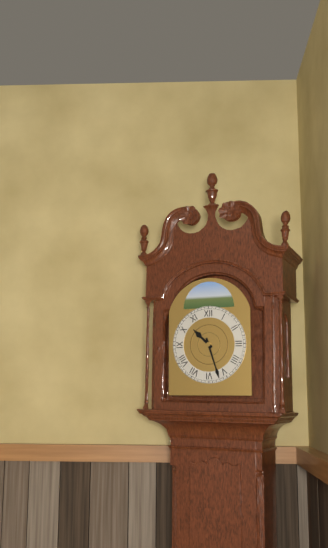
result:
10,27
